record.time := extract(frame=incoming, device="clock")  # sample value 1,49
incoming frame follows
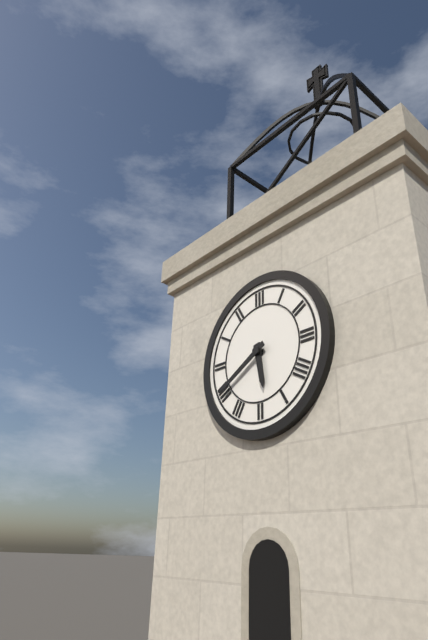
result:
5,40
